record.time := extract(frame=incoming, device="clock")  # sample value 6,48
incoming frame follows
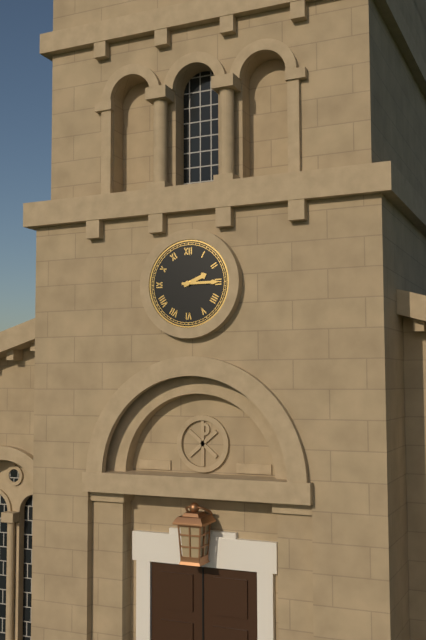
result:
2,15
